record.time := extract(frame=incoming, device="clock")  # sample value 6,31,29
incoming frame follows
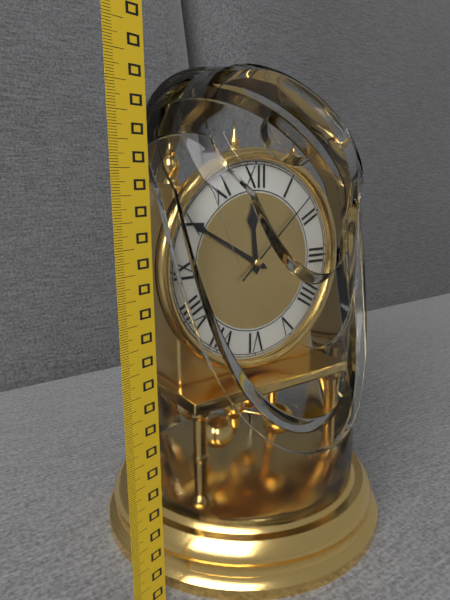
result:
11,50,08
